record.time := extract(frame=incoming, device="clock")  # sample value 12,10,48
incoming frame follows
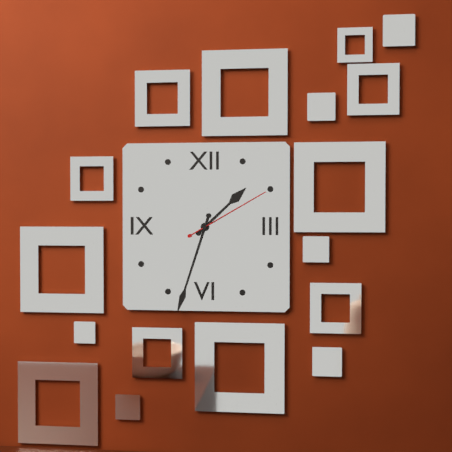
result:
1,33,10
